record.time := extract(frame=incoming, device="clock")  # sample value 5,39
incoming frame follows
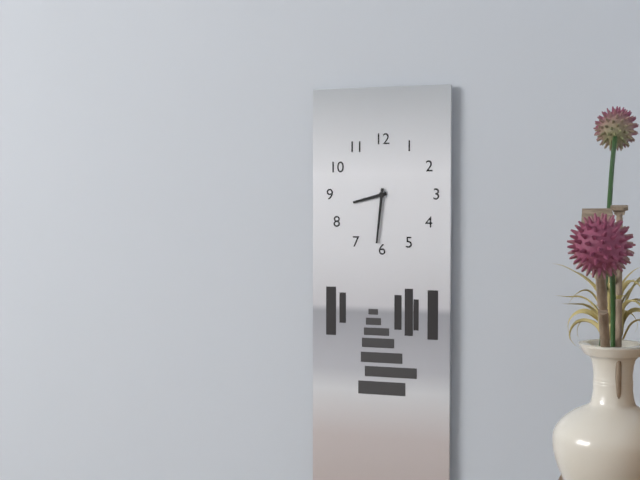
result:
8,31
